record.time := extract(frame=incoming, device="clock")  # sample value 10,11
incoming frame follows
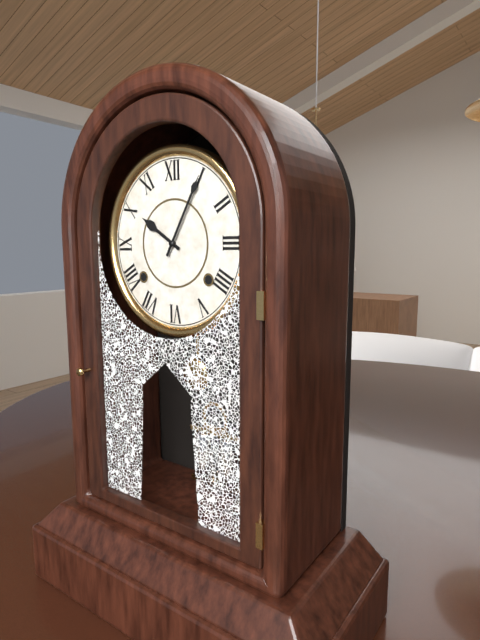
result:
10,05
